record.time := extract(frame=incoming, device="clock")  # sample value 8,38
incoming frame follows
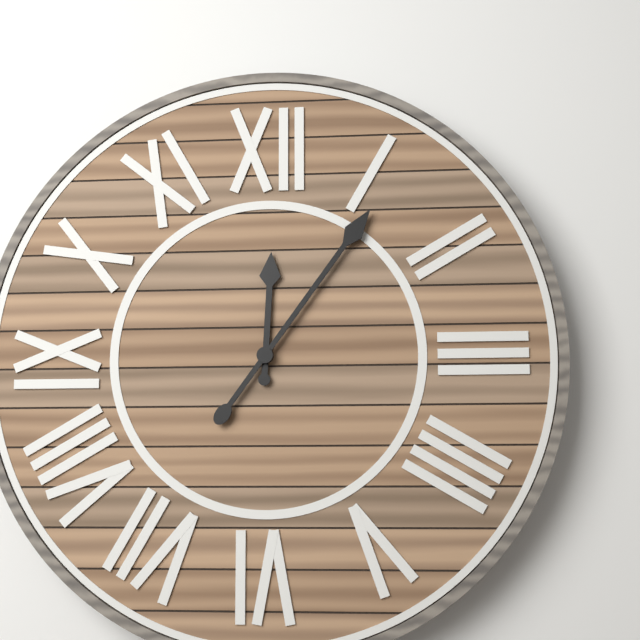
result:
12,06
